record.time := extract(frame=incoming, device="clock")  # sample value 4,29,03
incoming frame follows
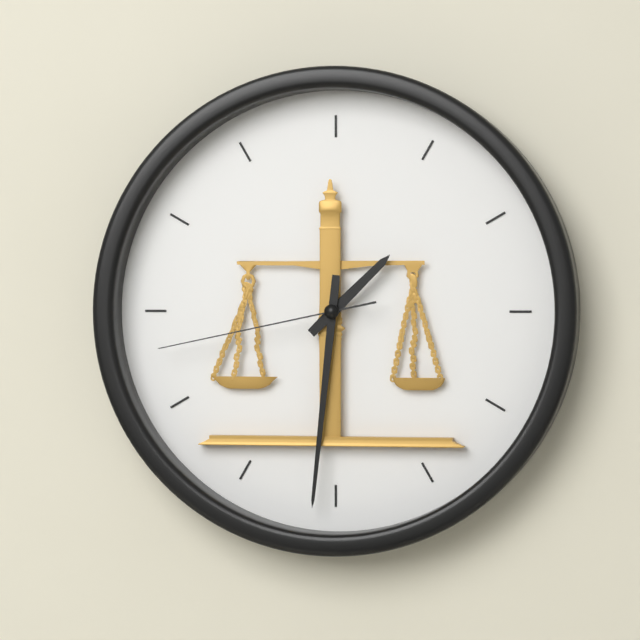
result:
1,31,43
